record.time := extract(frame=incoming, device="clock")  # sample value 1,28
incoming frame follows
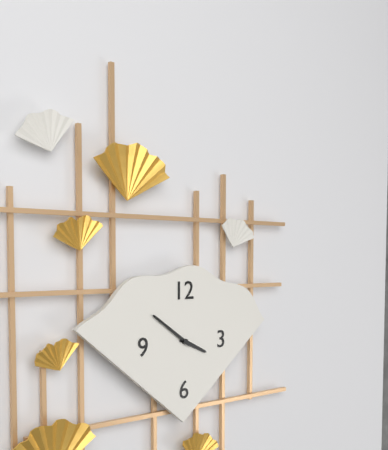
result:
3,51
